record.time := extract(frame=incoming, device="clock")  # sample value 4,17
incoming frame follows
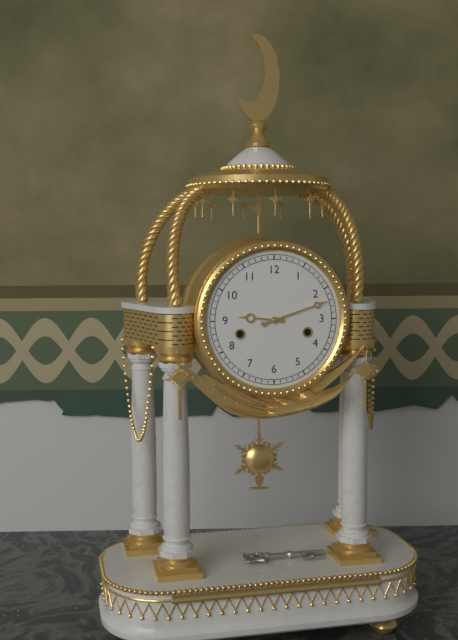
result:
9,12
